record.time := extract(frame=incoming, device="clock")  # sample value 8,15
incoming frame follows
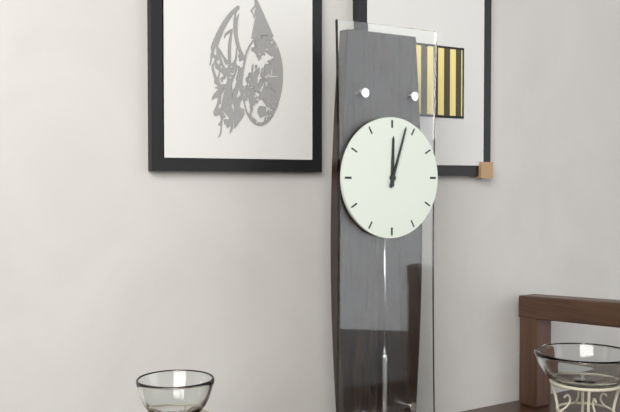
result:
12,03
